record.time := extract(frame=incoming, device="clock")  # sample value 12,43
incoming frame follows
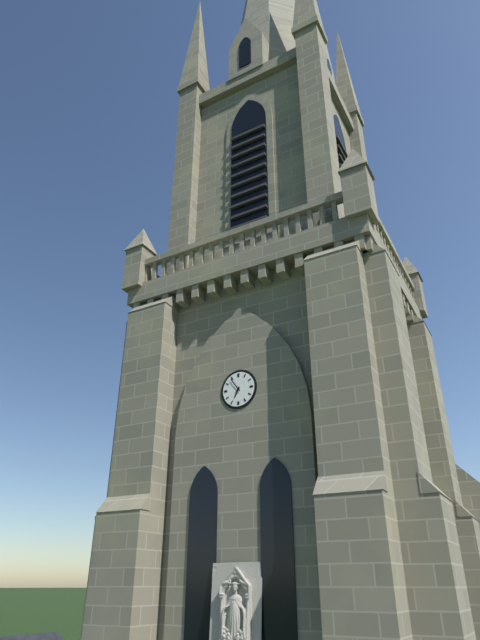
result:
6,54
